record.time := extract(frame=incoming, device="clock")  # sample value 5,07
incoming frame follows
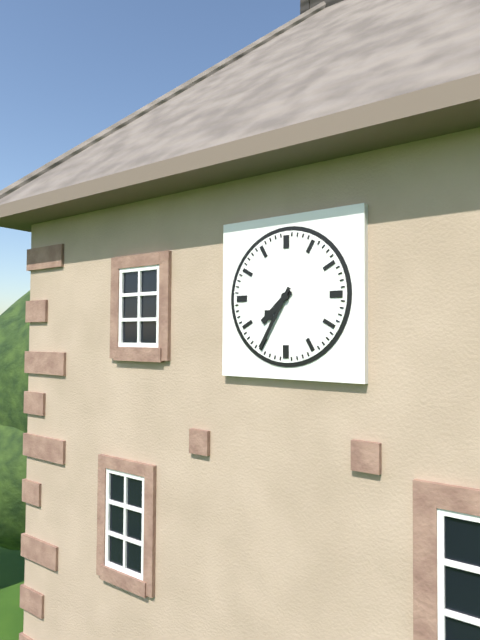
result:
7,35
